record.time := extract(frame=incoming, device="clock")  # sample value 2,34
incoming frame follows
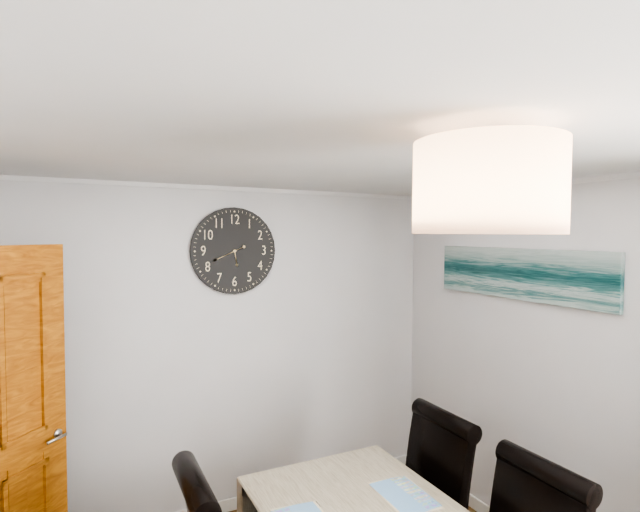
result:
5,41
